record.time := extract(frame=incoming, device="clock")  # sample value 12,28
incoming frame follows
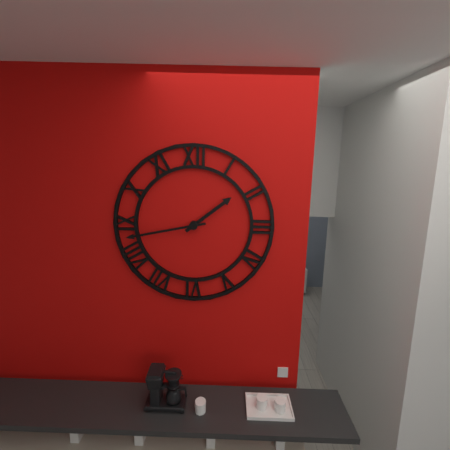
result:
1,43
